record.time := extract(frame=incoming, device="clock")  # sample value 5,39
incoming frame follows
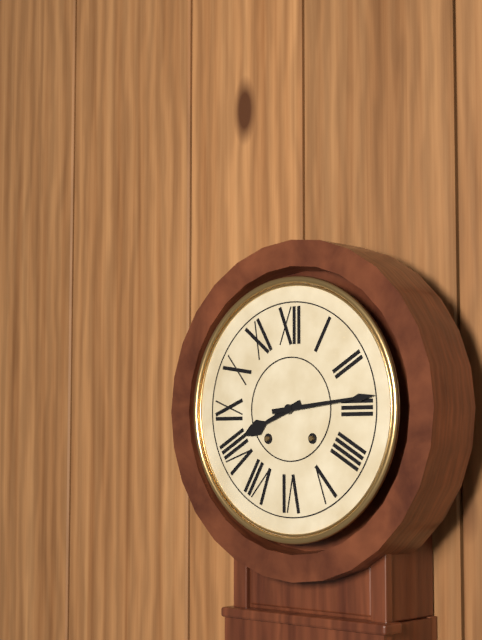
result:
8,14
